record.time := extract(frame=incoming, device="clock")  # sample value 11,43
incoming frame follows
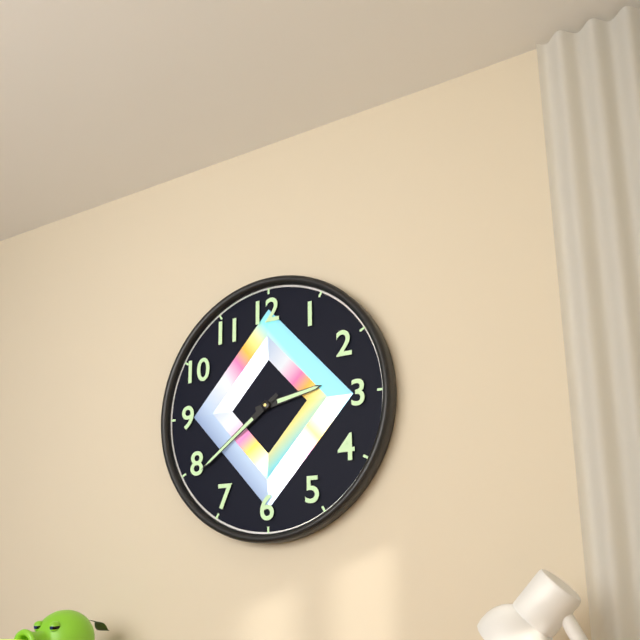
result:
2,39
